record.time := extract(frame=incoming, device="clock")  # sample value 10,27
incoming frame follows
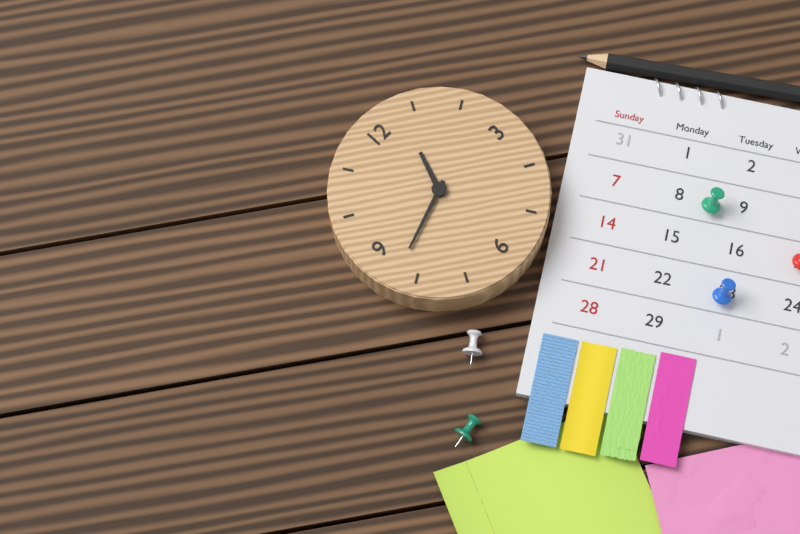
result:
12,42
